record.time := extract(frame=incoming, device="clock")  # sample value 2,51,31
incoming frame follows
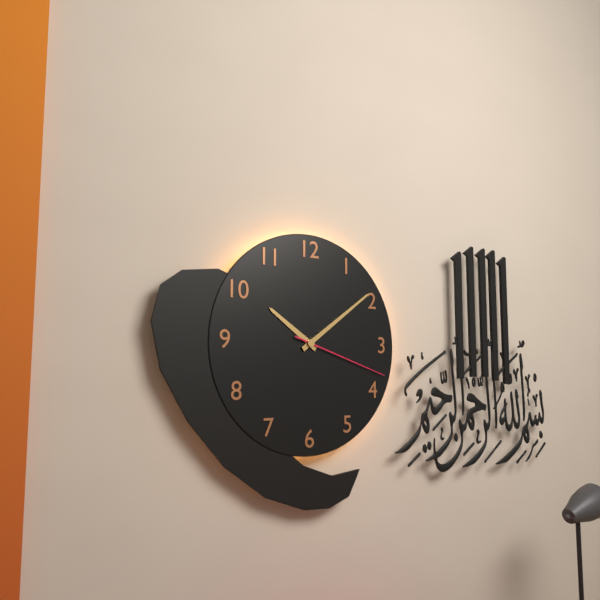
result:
10,09,18
